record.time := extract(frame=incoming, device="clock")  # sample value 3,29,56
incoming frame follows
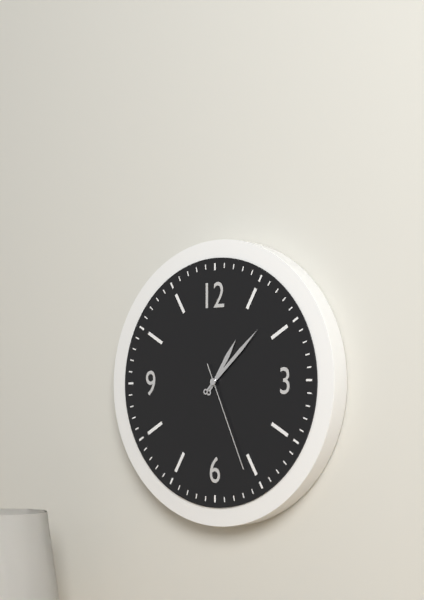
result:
1,08,26
